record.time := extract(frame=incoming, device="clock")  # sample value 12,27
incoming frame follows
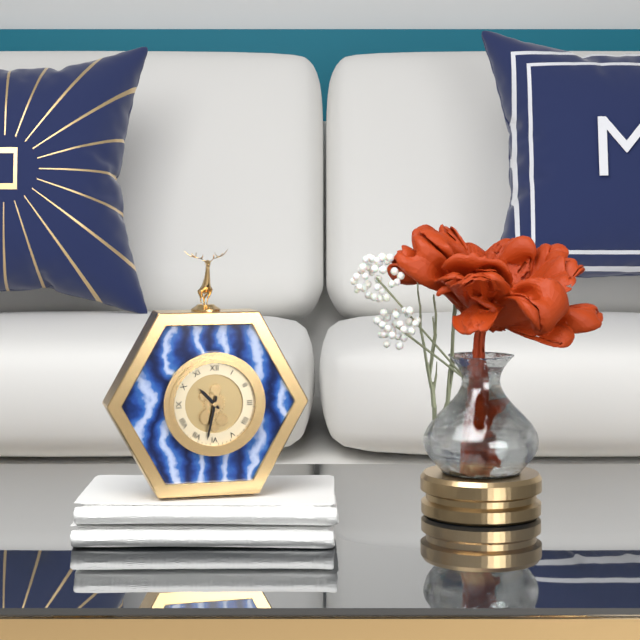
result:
10,32
